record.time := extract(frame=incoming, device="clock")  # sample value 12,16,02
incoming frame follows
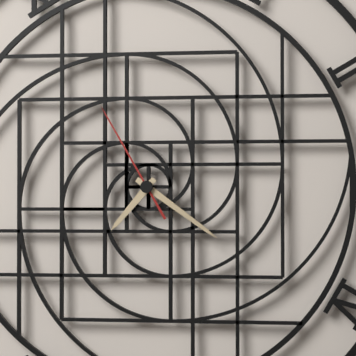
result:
7,21,55
